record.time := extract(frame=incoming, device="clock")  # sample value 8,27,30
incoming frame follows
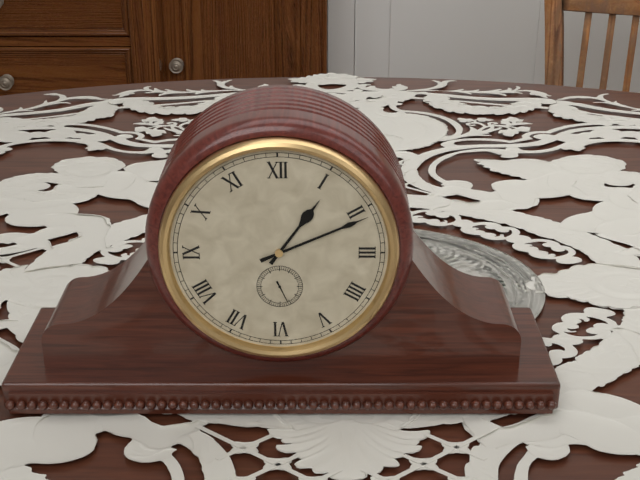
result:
1,11,26
